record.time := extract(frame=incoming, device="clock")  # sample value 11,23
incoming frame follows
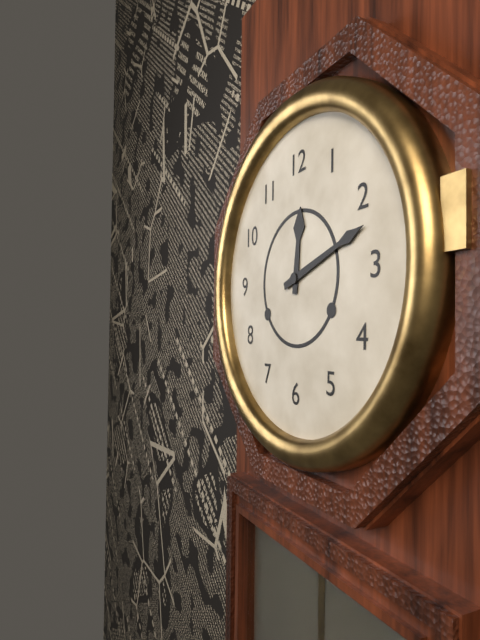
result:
12,12
